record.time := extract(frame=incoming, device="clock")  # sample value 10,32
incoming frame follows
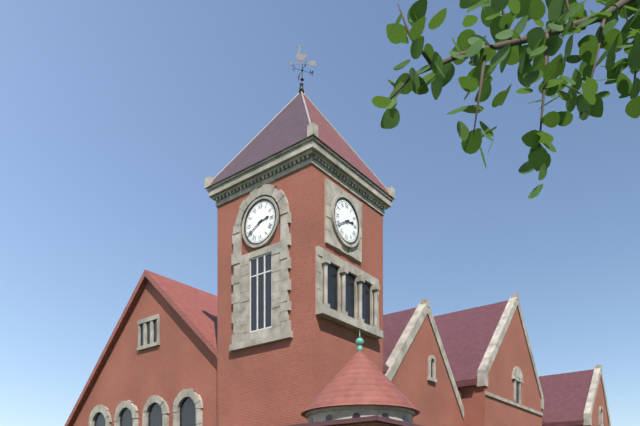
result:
2,40
